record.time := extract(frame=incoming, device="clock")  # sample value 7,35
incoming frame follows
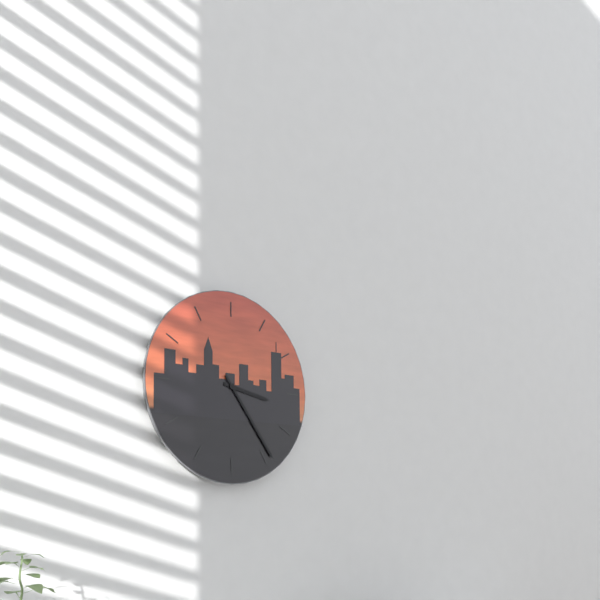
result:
3,24
